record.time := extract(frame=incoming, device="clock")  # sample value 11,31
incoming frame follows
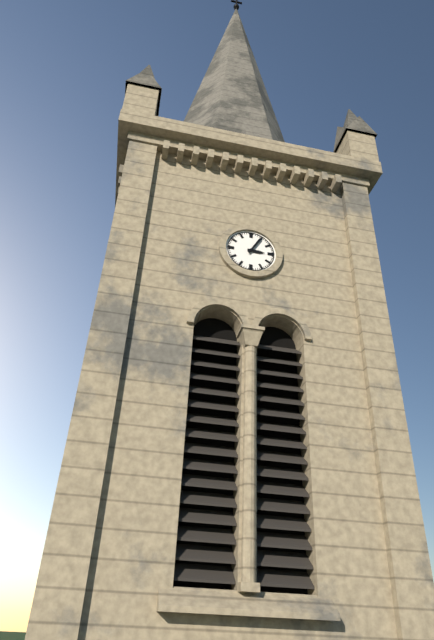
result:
3,05
